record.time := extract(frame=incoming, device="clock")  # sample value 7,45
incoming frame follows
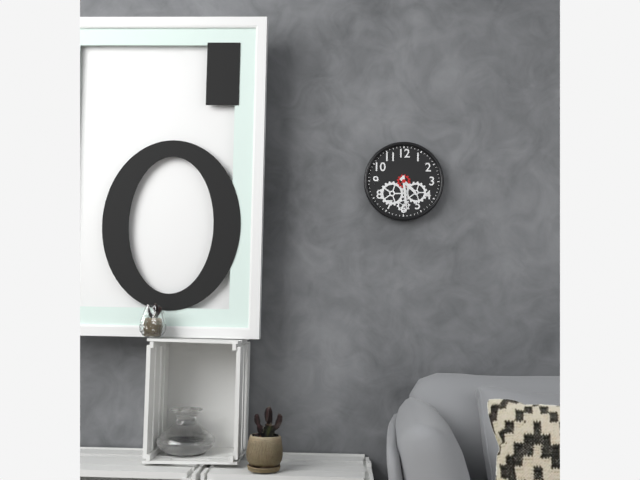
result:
4,29
